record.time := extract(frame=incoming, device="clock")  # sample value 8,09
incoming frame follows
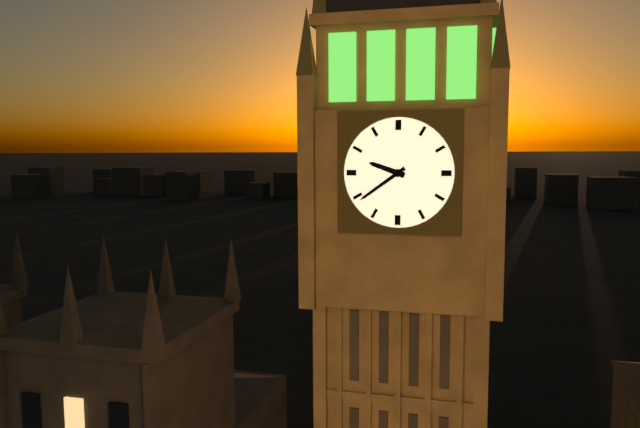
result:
9,39
